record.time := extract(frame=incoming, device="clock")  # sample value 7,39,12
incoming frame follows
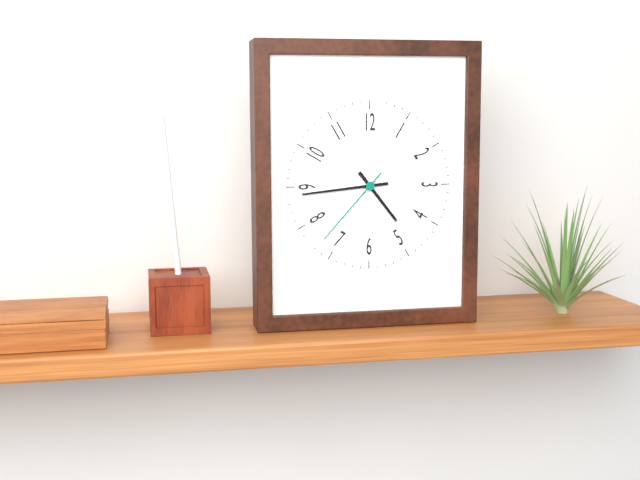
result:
4,44,37
